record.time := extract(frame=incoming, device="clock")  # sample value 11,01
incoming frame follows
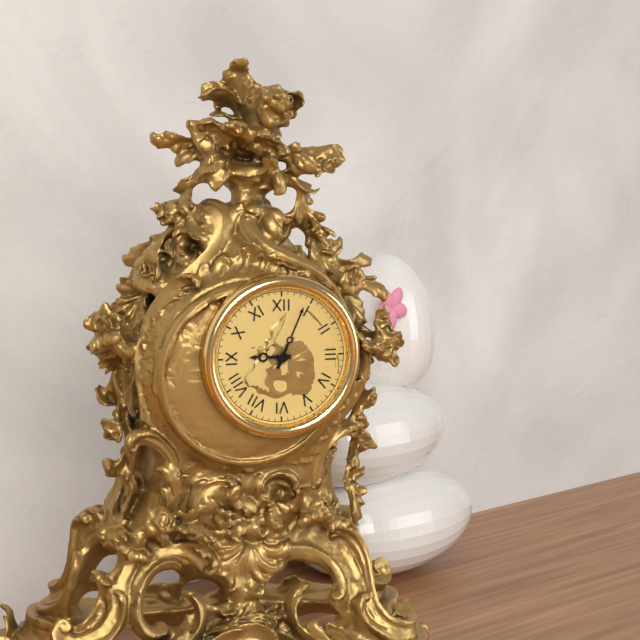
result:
9,04
